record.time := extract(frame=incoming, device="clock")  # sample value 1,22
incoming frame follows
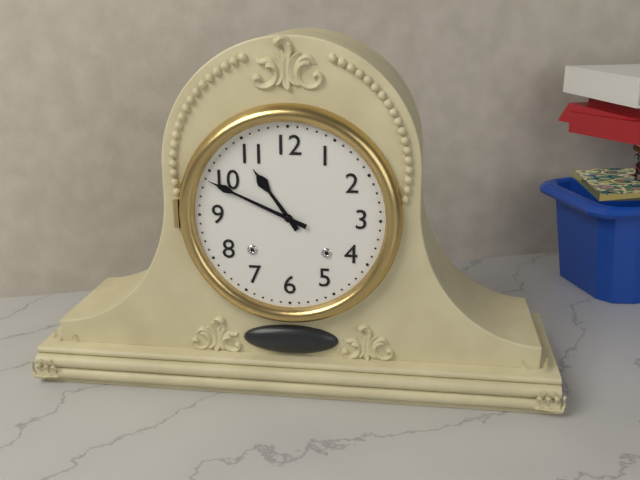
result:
10,49
